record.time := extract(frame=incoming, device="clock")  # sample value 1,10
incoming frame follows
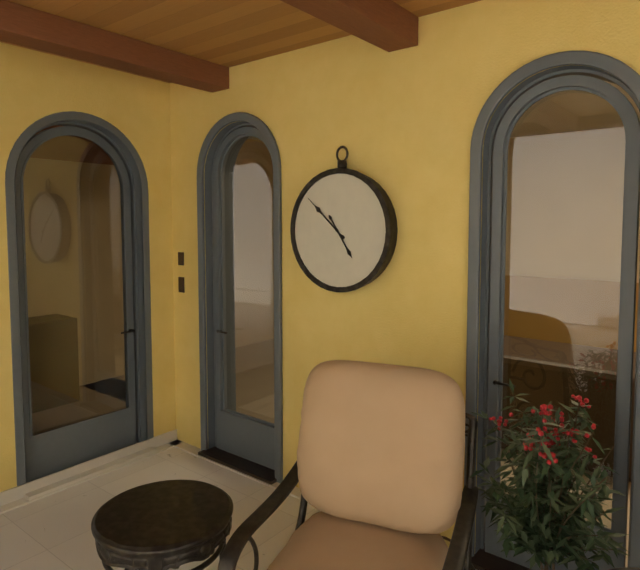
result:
4,52
